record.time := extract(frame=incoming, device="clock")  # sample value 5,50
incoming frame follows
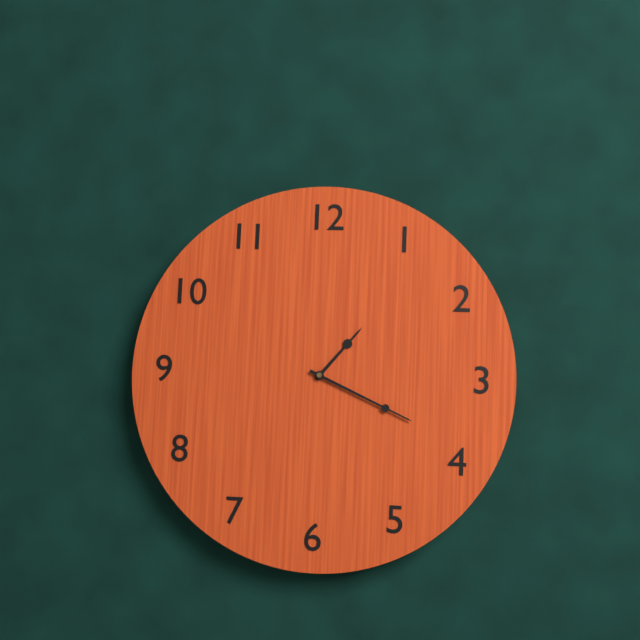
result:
1,19
